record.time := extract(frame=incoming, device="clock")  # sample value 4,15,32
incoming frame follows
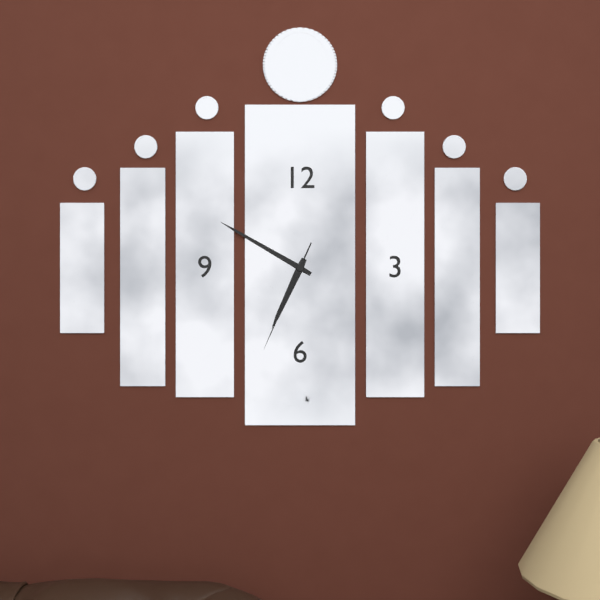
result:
6,50,34
